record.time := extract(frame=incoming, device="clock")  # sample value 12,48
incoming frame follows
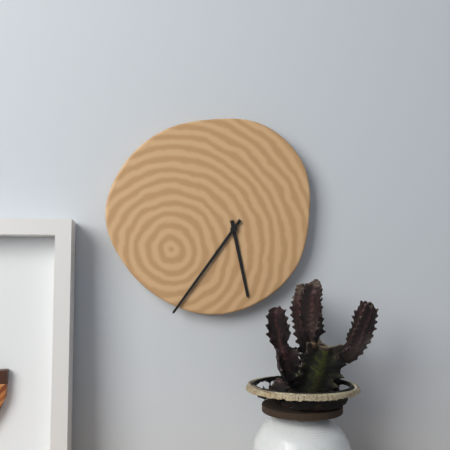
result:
5,36
